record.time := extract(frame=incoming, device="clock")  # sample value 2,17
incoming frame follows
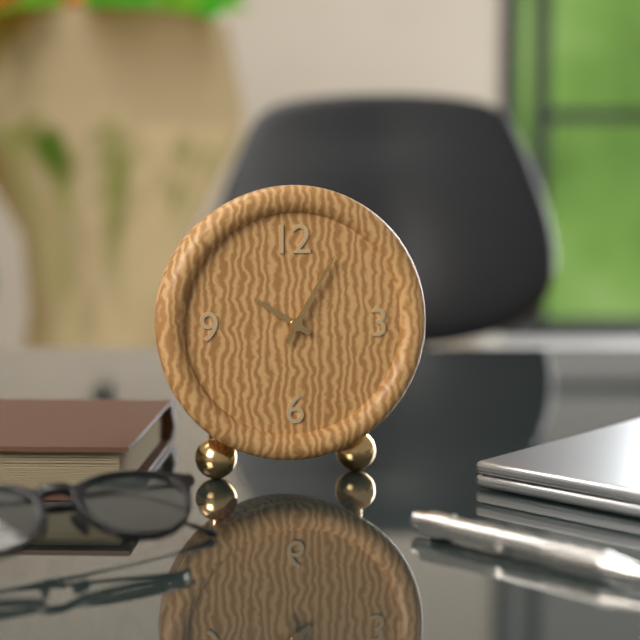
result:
10,05
